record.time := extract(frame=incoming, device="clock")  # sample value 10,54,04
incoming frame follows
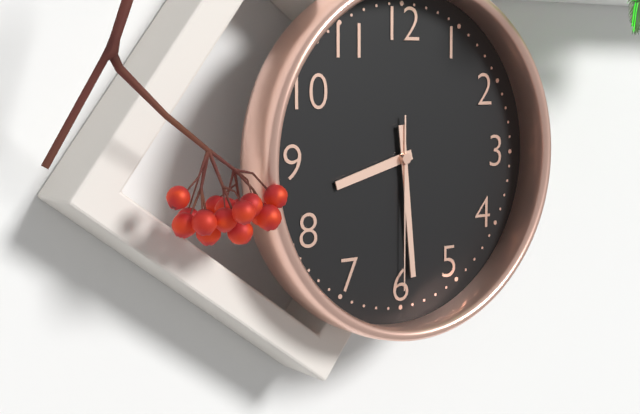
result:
8,29,30
